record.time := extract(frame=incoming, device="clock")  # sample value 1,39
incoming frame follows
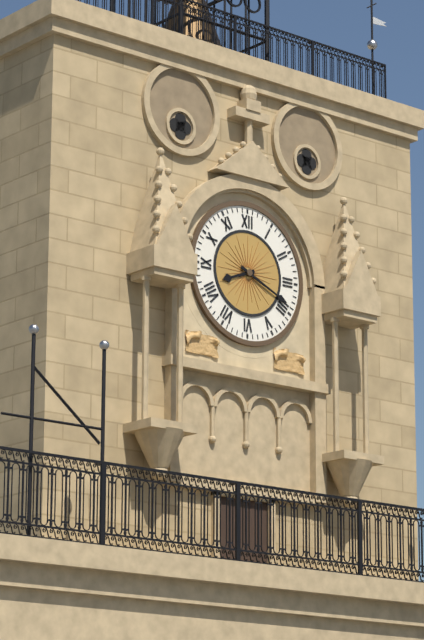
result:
8,19
